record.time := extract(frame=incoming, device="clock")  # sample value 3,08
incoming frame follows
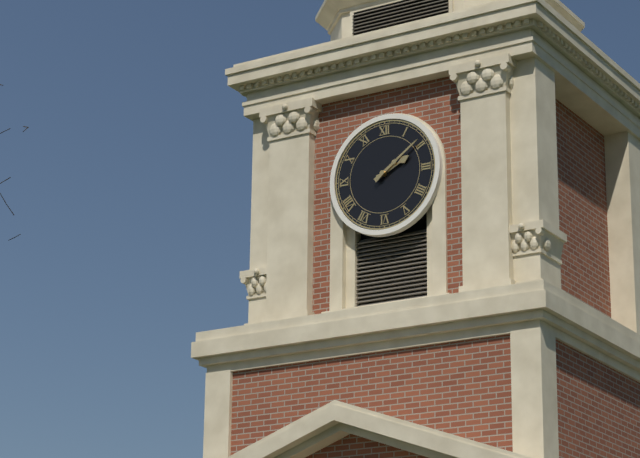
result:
2,09
